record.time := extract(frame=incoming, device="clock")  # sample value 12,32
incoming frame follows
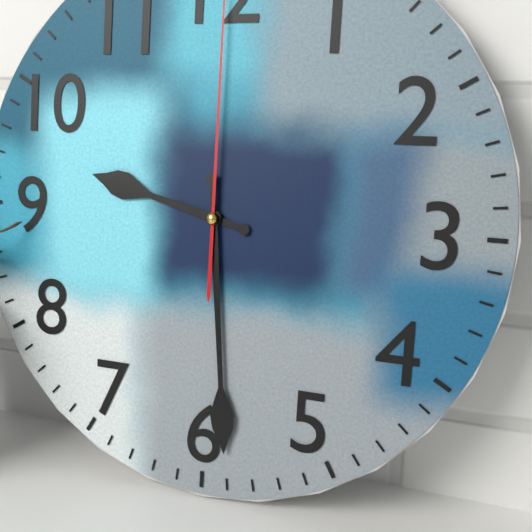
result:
9,29
